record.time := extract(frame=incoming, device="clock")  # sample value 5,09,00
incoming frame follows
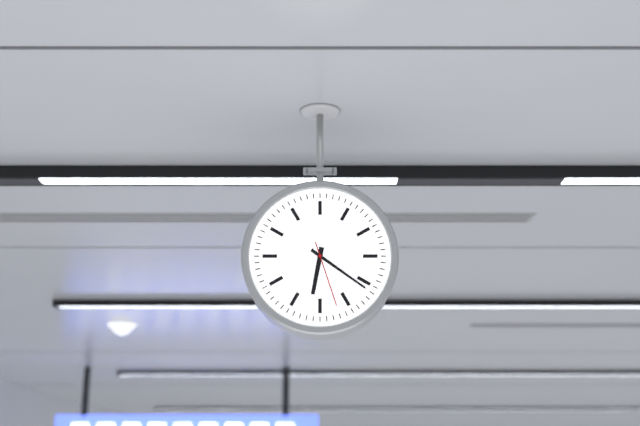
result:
6,21,27
